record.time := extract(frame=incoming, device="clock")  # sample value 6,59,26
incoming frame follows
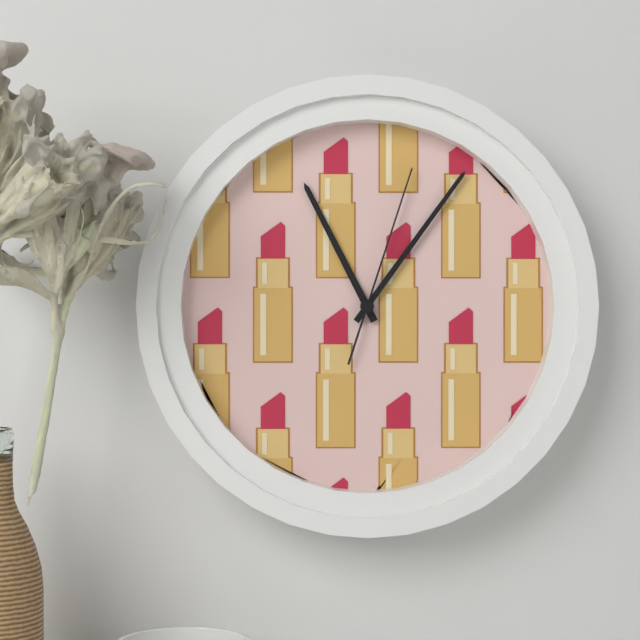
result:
11,06,03
